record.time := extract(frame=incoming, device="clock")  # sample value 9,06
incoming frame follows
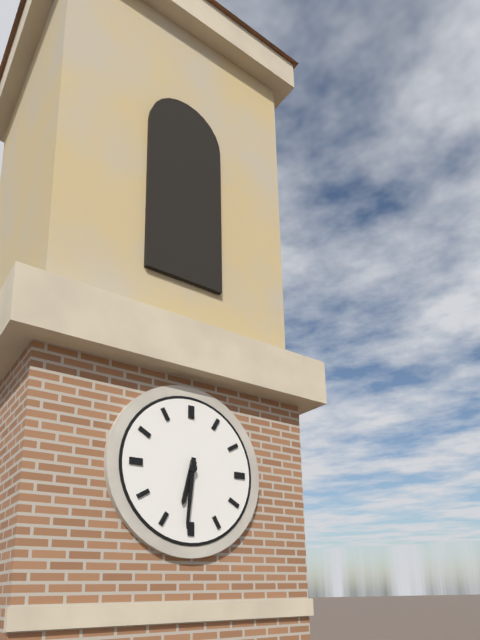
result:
6,31
